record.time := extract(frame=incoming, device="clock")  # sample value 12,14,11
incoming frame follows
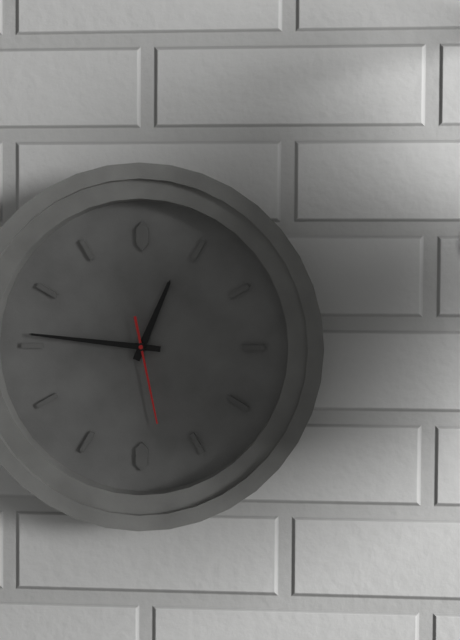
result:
12,46,28
